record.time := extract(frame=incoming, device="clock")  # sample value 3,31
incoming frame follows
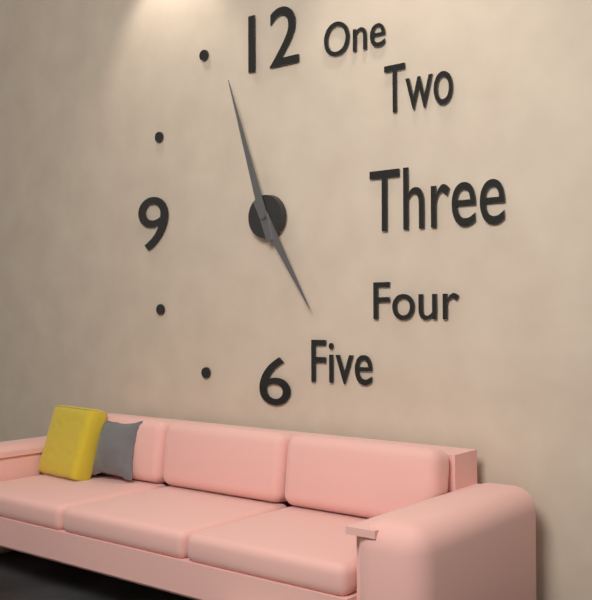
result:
4,57
